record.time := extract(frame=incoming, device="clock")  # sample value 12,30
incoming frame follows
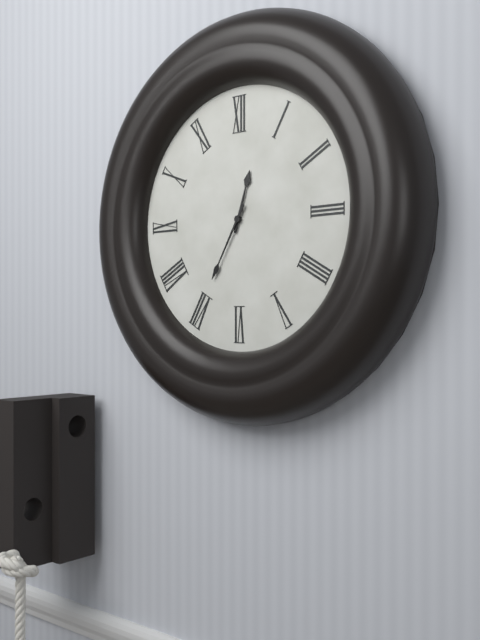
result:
12,35
